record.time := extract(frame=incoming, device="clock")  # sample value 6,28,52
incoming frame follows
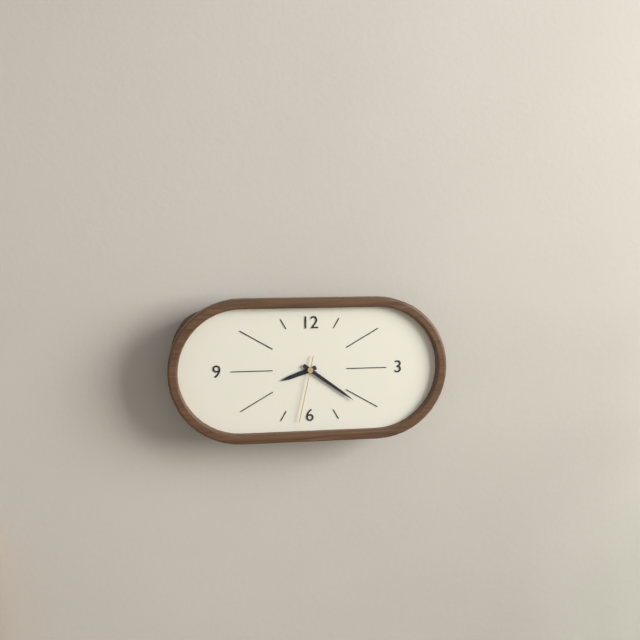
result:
8,21,32
